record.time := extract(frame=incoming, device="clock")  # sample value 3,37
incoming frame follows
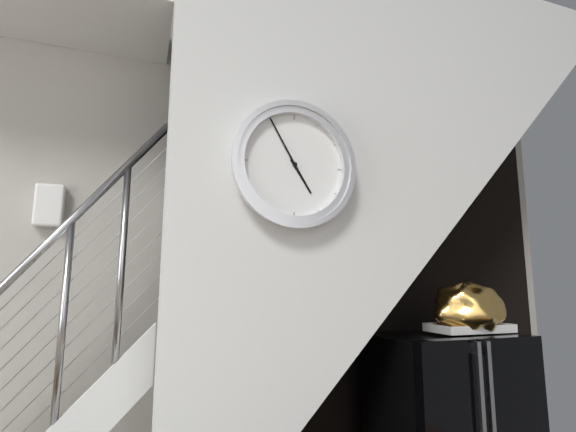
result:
4,55
